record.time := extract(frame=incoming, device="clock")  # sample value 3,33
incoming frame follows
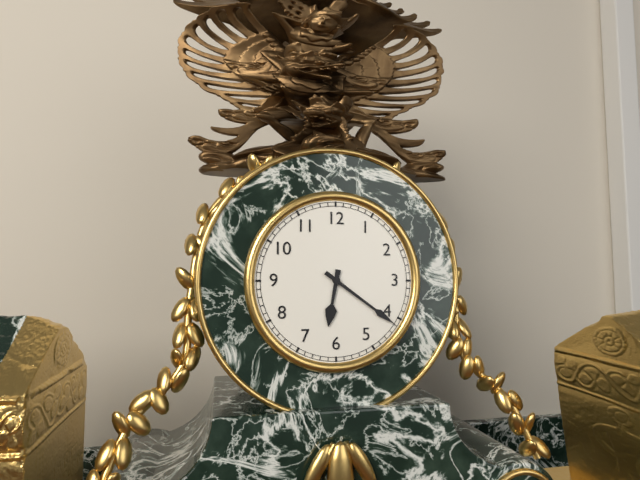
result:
6,21
